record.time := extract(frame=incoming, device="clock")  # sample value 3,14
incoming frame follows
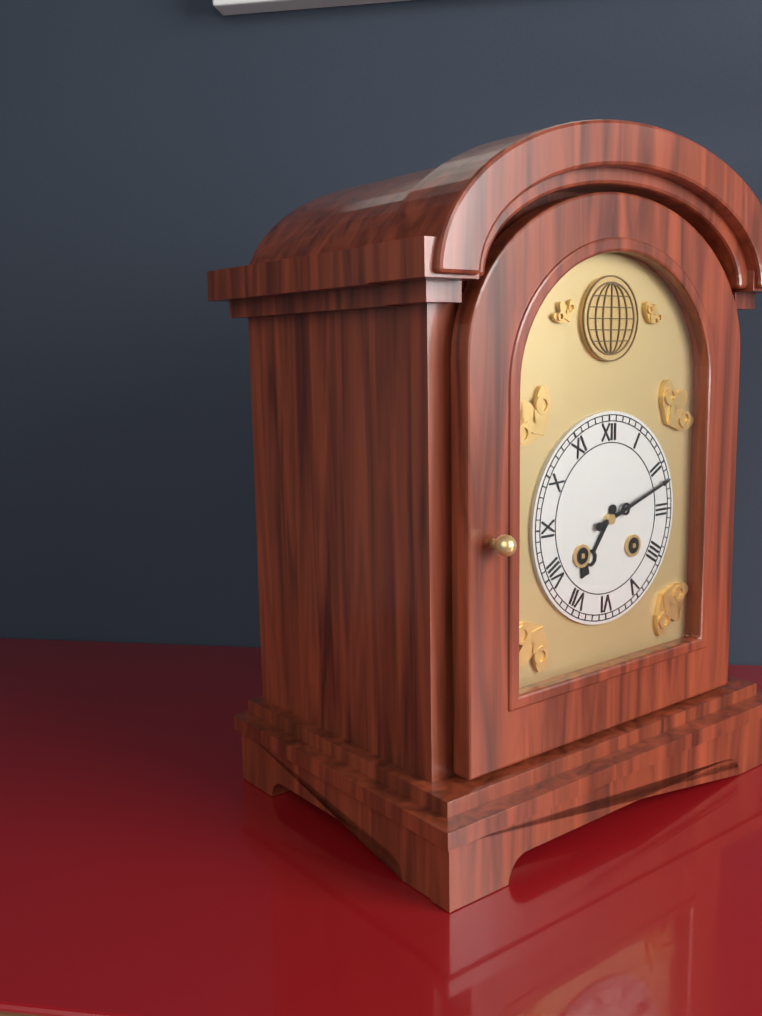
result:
7,12
